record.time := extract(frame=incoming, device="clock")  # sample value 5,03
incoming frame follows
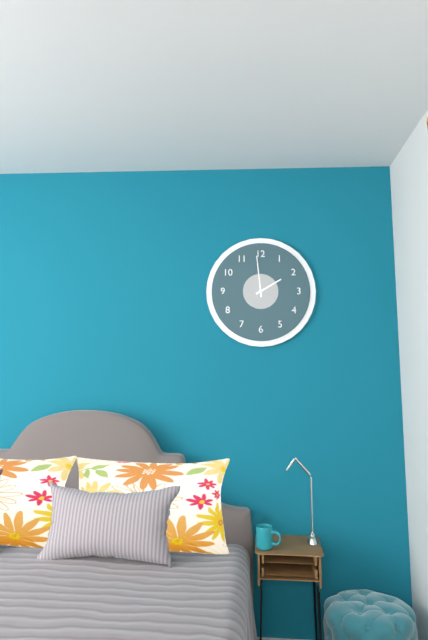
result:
1,59
